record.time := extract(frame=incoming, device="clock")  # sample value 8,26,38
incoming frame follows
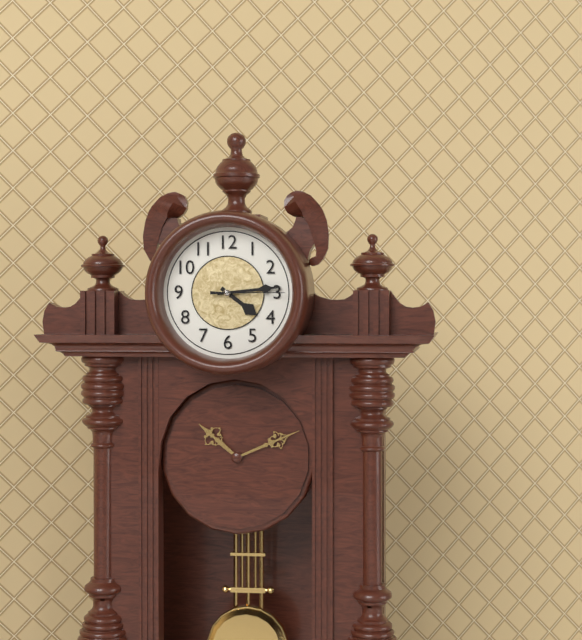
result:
4,14,15
